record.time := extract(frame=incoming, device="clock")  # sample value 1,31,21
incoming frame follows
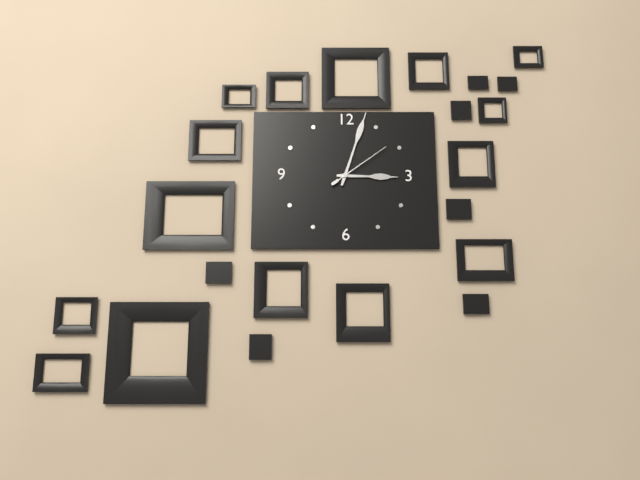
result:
3,03,09
